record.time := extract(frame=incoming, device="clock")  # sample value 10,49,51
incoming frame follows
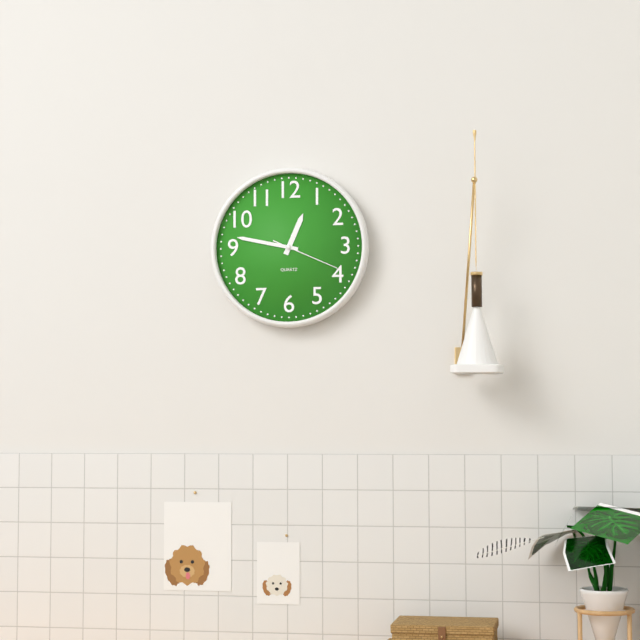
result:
12,47,19
